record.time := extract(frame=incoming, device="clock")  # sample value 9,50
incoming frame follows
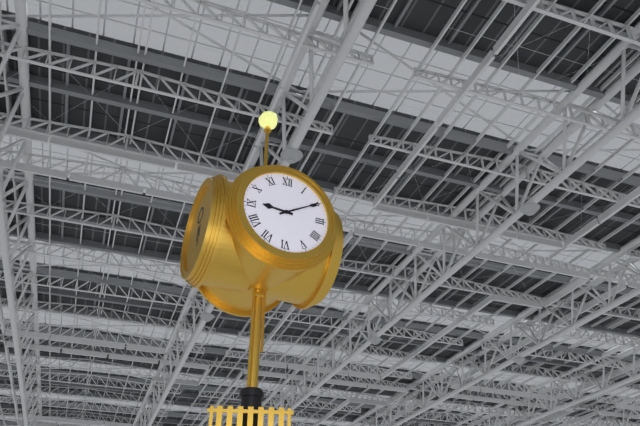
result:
9,10
